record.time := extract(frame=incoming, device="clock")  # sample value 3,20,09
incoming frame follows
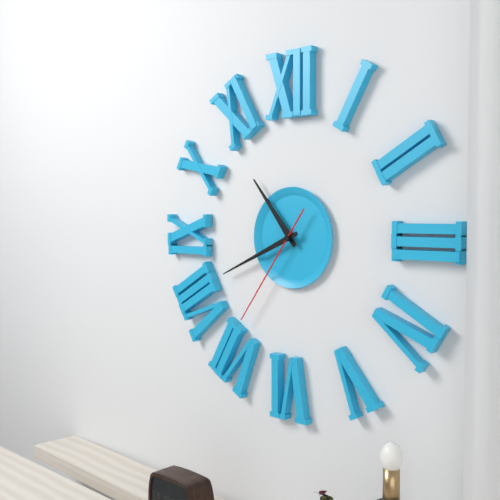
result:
10,41,36
